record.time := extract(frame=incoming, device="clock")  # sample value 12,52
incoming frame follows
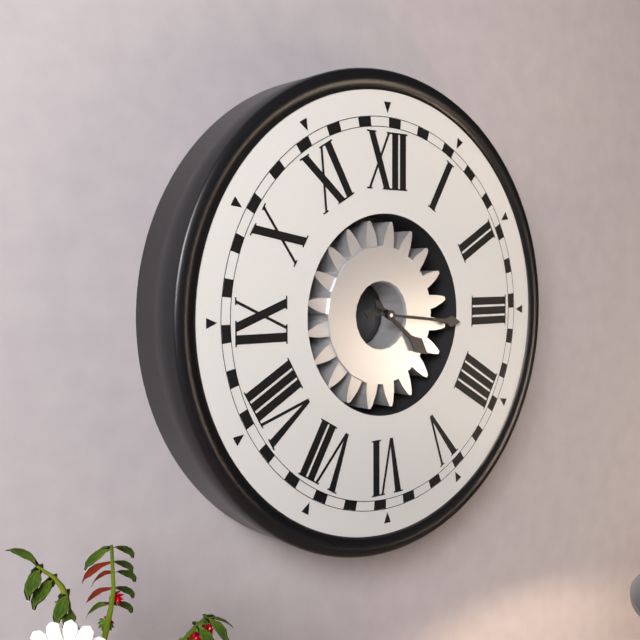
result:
4,16
